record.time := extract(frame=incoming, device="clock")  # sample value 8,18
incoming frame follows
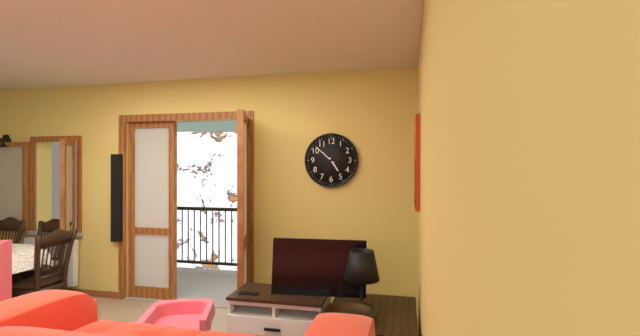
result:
4,52
